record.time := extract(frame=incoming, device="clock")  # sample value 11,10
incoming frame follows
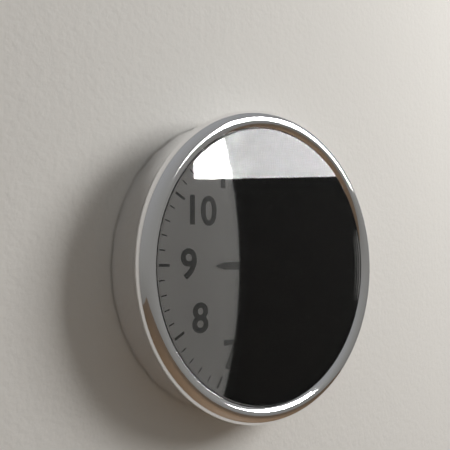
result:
8,59
